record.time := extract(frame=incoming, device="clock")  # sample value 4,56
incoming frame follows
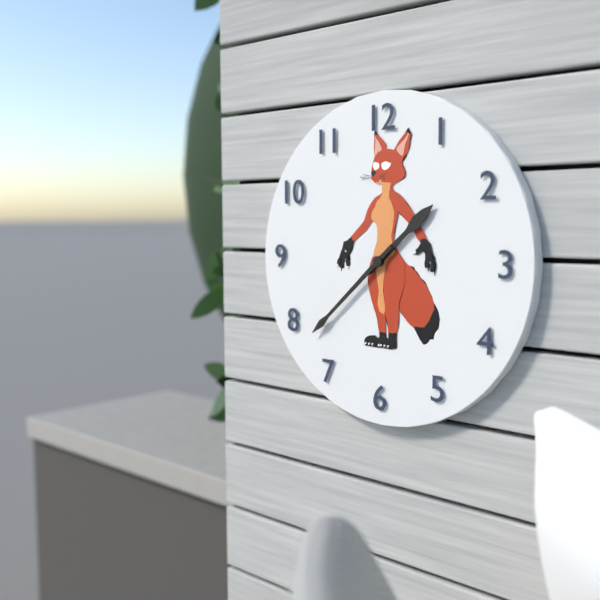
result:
1,38
